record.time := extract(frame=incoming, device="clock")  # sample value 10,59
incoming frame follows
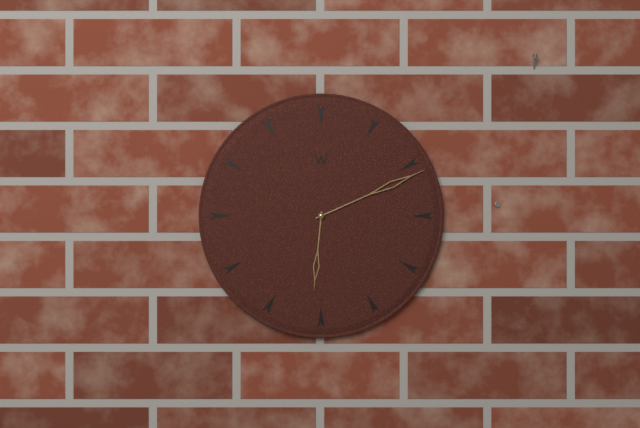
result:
6,11
